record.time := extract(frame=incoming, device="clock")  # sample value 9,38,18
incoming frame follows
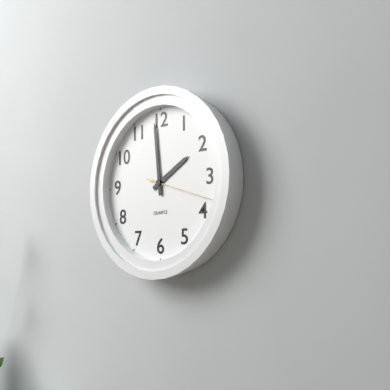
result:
1,59,18
